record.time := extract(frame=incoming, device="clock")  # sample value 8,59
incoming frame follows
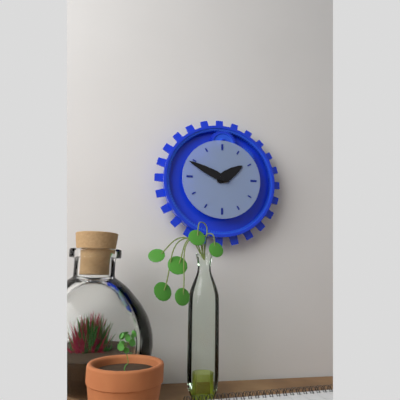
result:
1,49
